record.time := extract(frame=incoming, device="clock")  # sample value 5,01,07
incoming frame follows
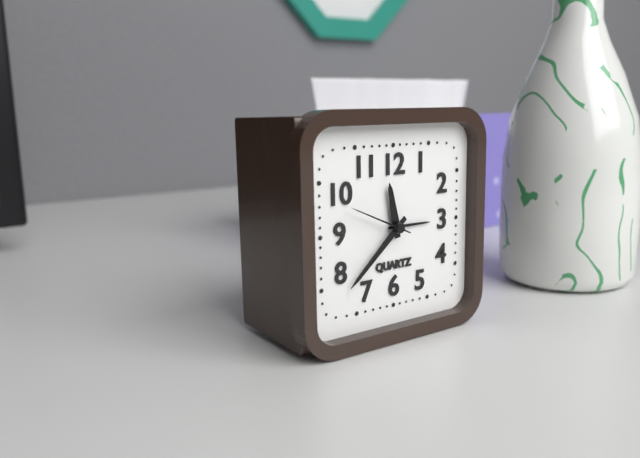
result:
11,38,49
